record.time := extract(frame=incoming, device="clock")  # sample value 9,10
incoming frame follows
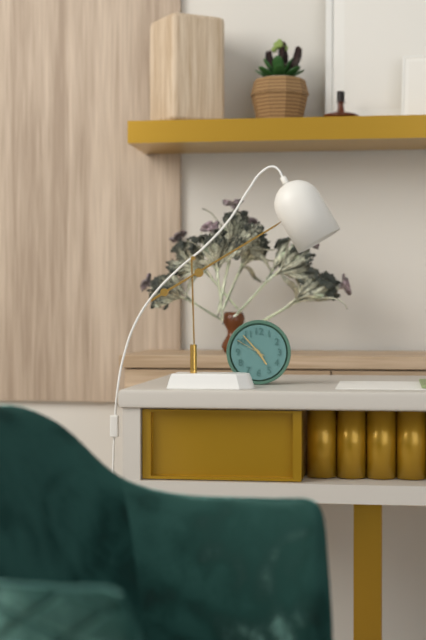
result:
4,53
